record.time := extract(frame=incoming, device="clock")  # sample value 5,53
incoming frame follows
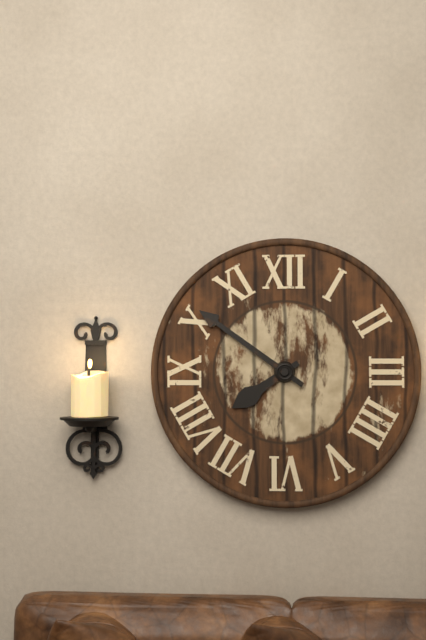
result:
7,51
